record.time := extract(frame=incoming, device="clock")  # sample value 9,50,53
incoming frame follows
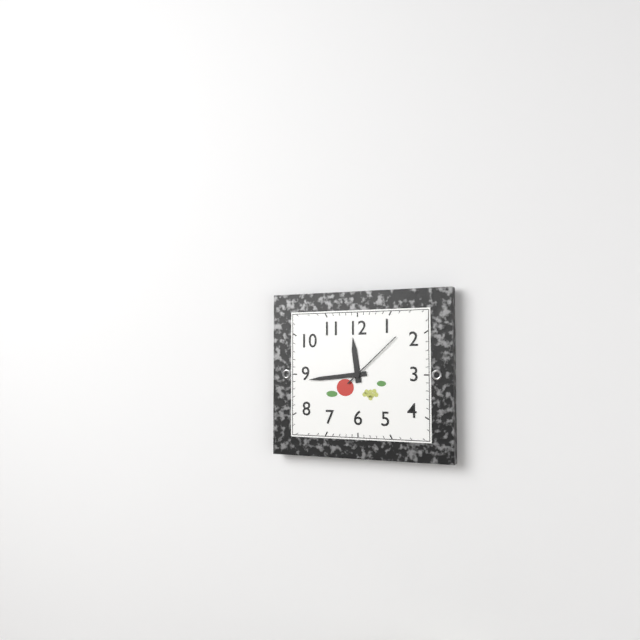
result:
11,44,08
